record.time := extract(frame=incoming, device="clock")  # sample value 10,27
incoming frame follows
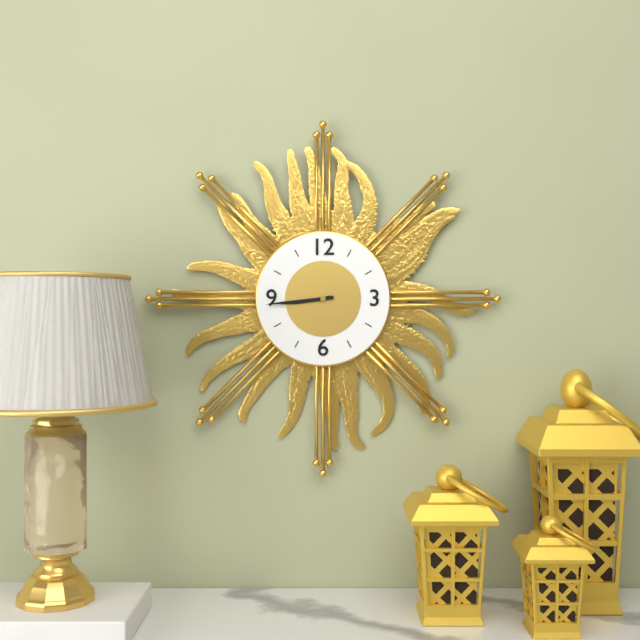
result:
8,44
